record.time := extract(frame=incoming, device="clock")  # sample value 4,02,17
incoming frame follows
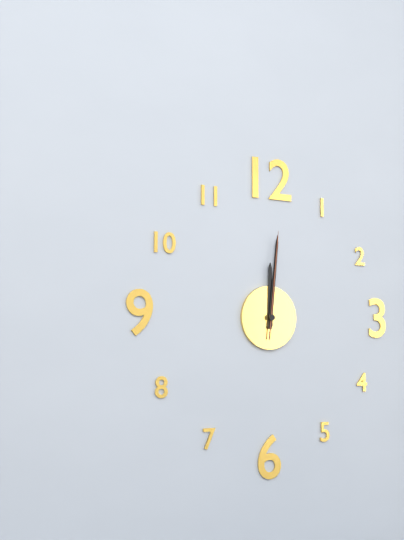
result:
12,01,01
